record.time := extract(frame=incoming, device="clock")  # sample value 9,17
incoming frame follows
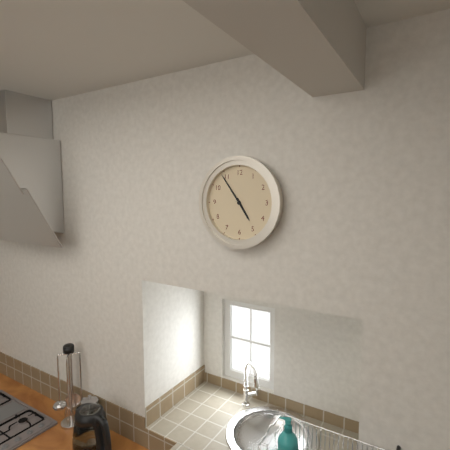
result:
4,54
